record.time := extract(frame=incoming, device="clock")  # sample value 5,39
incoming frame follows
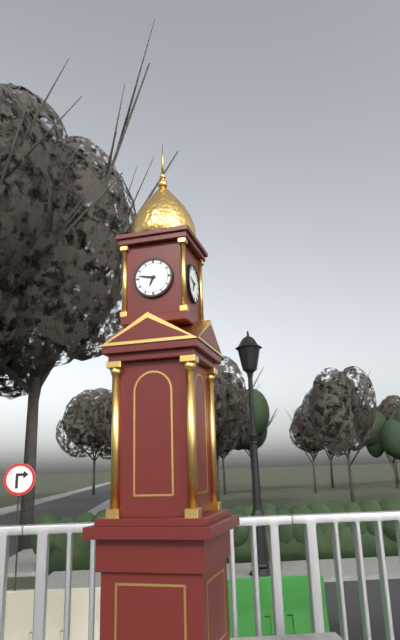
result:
6,47
